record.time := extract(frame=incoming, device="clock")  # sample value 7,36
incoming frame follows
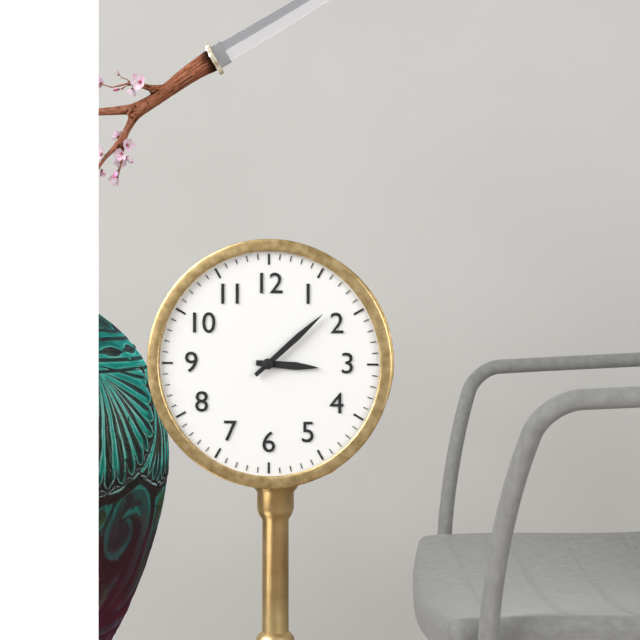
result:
3,08
